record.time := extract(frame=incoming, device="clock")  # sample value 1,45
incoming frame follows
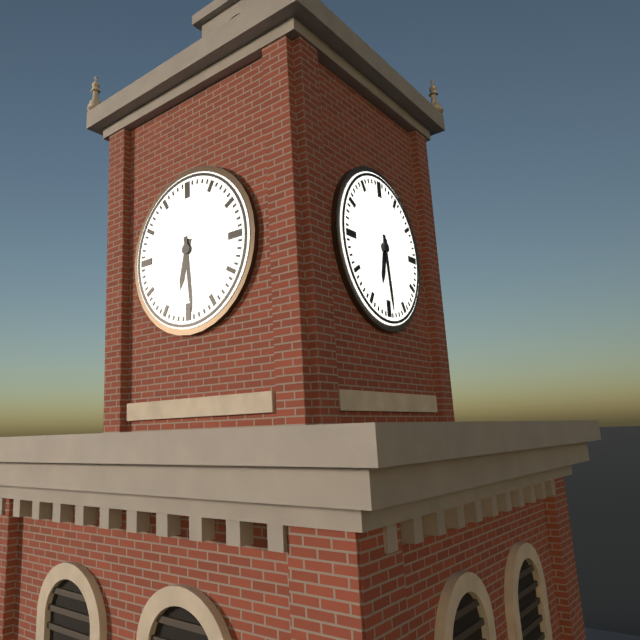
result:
6,29
